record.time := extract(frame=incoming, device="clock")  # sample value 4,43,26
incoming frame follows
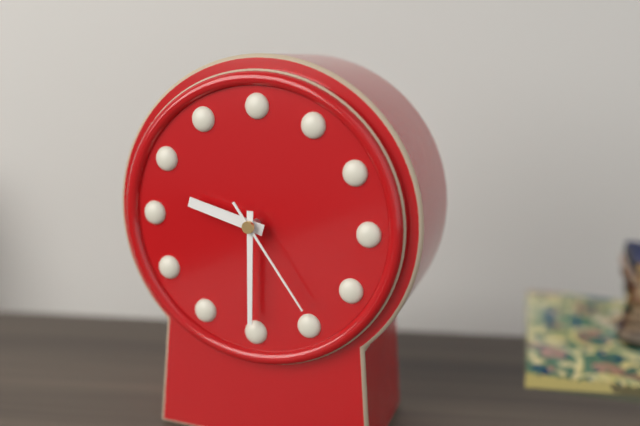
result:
9,30,24
